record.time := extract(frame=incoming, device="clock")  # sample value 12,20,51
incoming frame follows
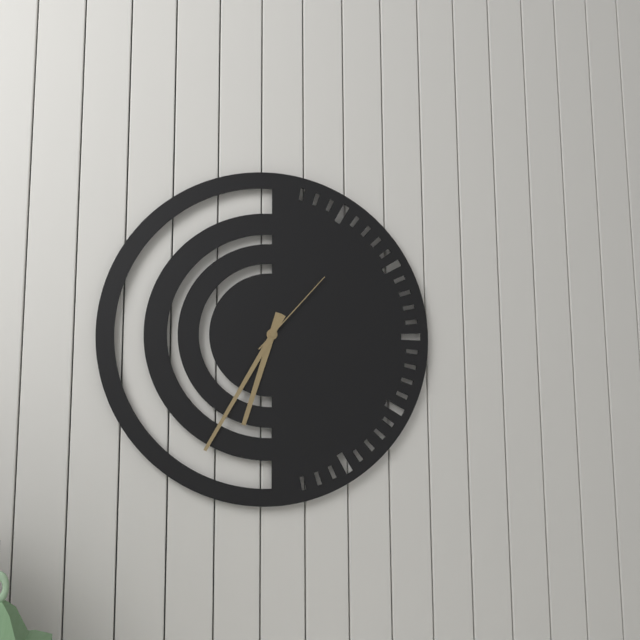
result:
6,35,07
